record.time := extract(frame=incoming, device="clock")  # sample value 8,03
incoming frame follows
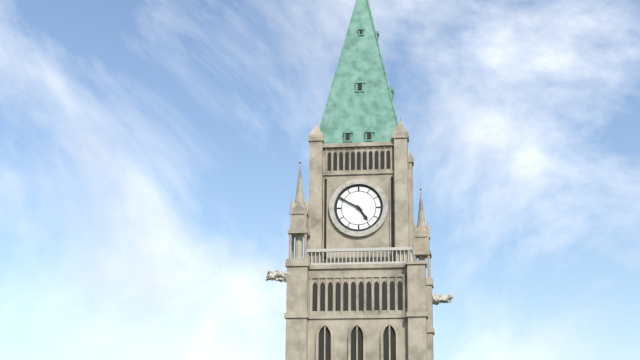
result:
4,50
